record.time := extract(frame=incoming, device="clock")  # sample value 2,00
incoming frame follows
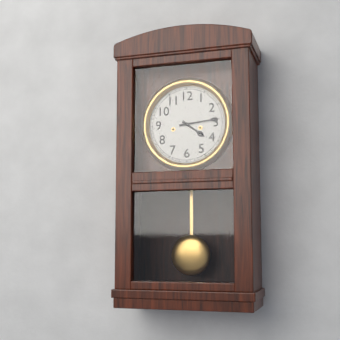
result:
4,14
